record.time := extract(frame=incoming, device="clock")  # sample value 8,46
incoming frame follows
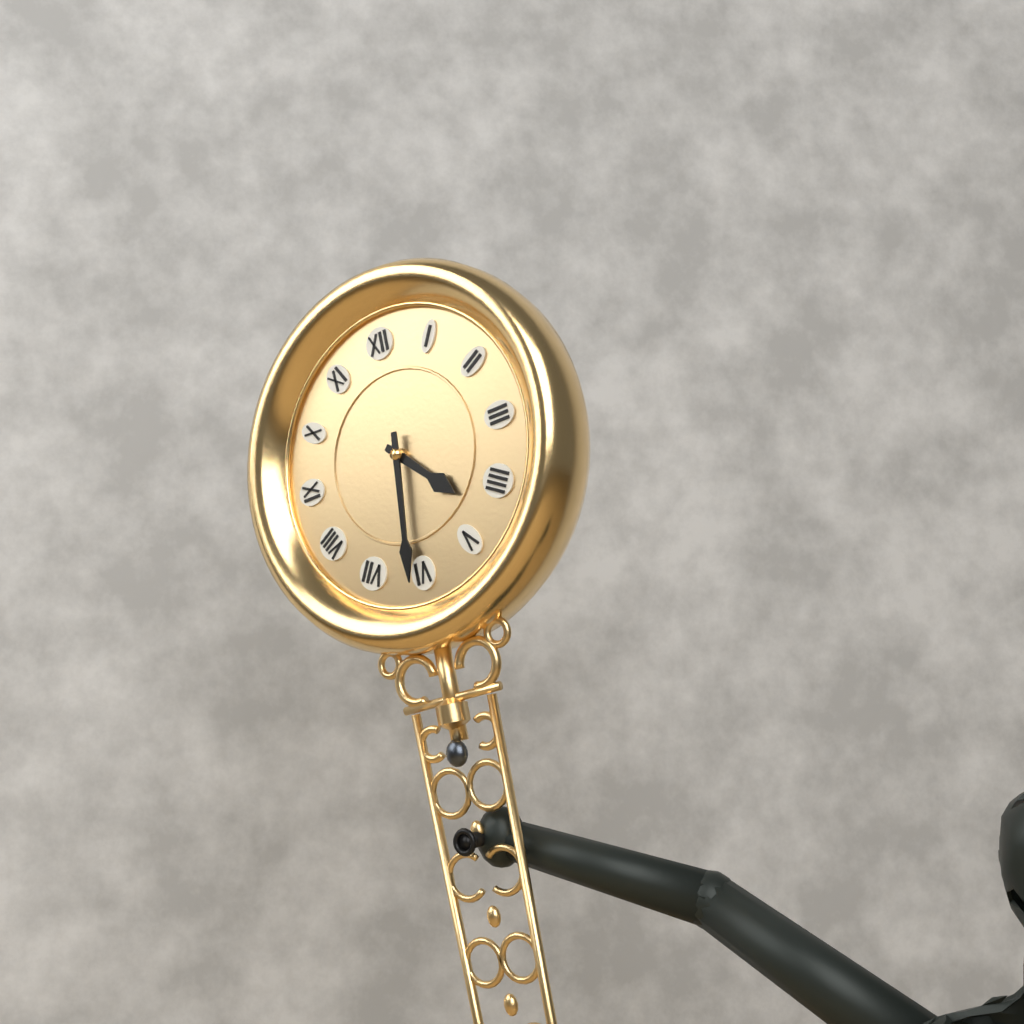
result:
4,31
